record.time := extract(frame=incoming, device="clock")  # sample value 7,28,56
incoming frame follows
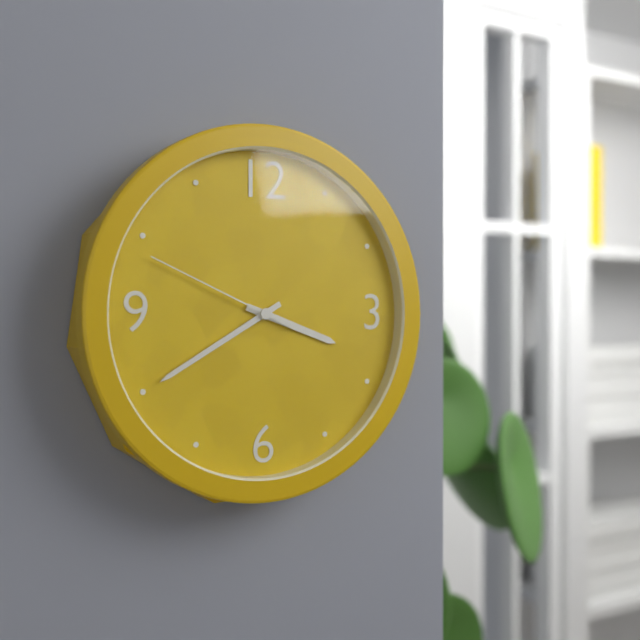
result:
3,40,49
